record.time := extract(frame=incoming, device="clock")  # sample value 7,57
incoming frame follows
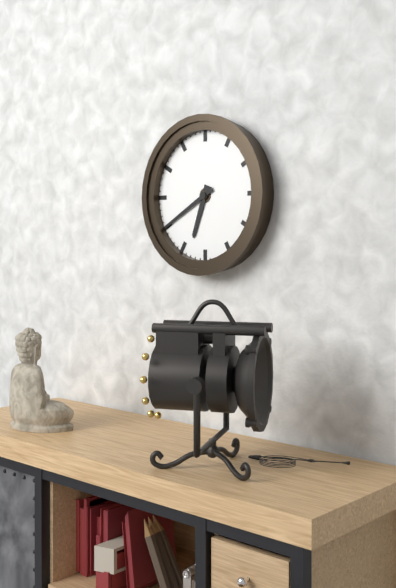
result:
6,40
